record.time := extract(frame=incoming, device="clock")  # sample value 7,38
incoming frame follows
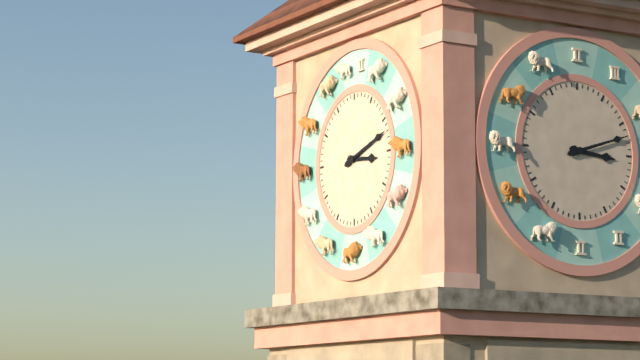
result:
3,12
